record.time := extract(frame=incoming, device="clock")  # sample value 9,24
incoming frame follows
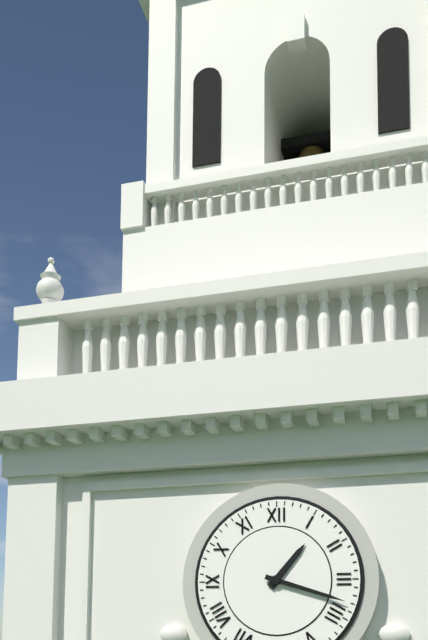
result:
1,18
